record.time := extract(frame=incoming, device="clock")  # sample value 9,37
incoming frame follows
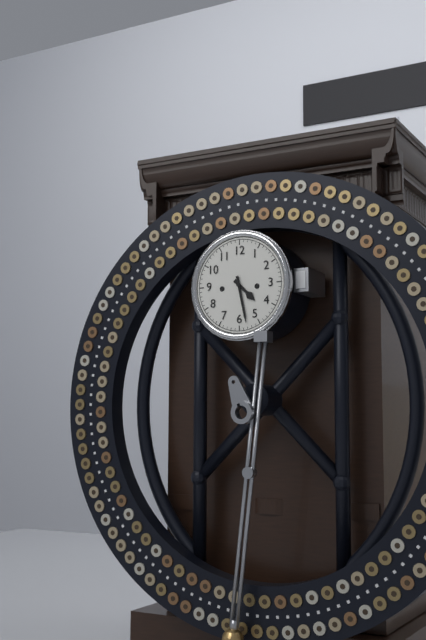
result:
4,28
